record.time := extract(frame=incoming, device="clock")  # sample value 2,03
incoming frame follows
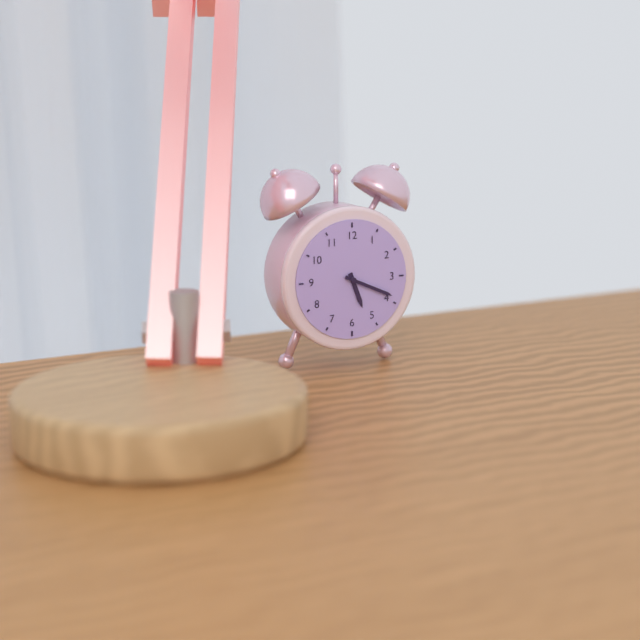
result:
5,19
